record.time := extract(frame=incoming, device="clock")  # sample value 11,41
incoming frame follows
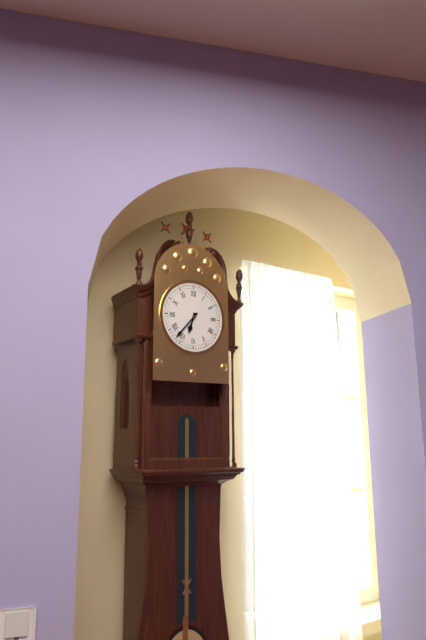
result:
6,37
